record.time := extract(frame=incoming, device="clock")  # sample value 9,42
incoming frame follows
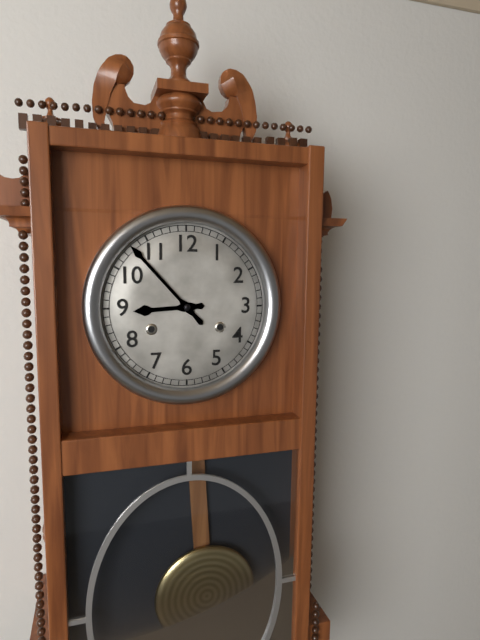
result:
8,53
